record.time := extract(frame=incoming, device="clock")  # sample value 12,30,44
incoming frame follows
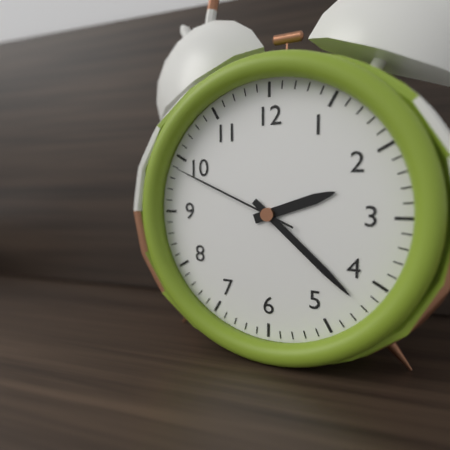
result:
2,22,49
